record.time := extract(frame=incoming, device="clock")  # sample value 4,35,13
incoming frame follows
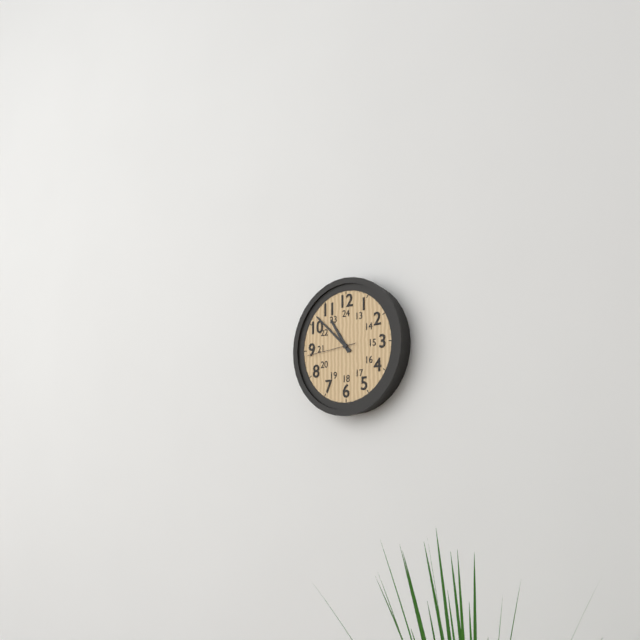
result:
10,52,44
